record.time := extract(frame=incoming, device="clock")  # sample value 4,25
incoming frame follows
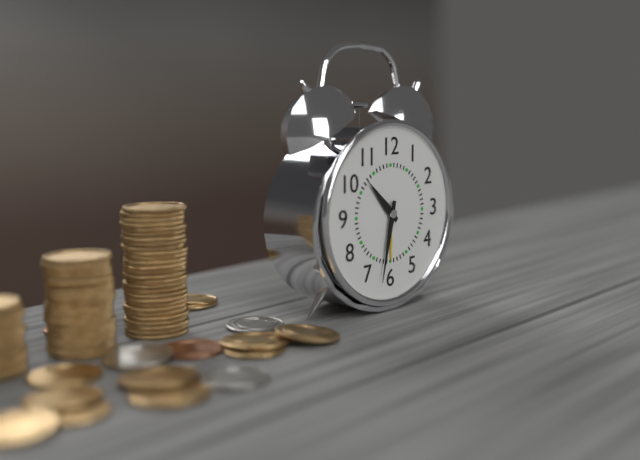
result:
10,32
